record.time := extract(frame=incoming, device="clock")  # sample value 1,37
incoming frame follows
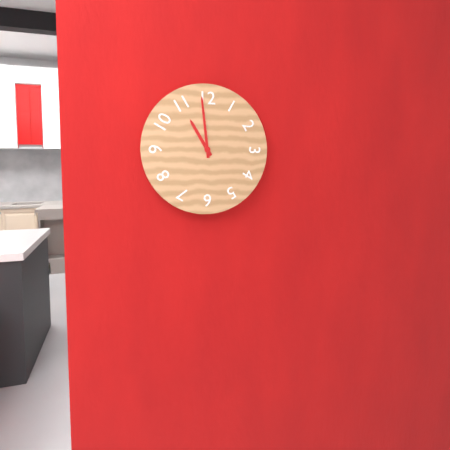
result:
10,59
